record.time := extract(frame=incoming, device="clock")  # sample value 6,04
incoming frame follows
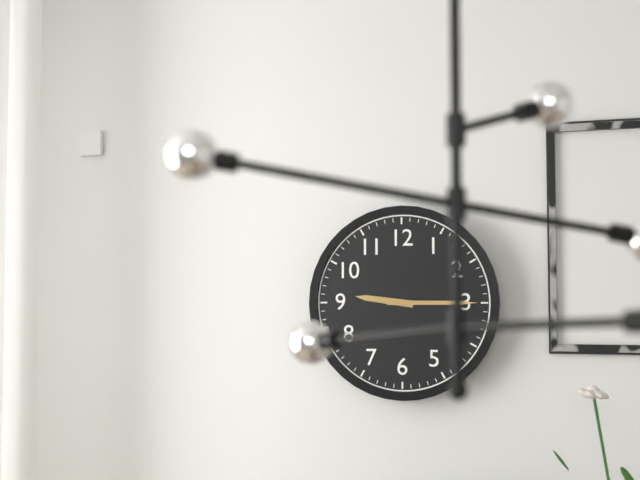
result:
9,15
